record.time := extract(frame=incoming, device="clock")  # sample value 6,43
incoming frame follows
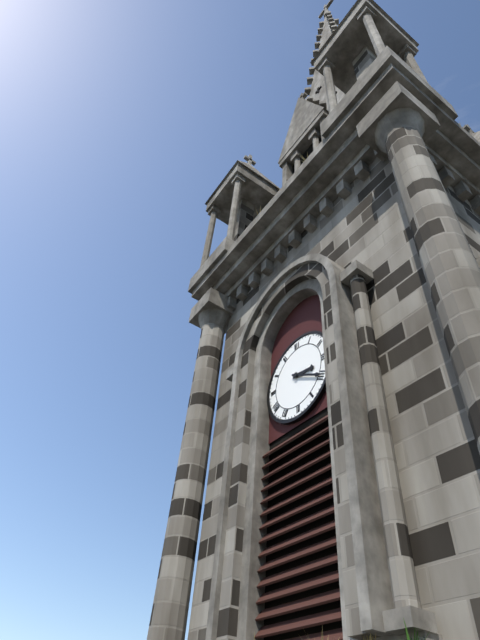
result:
3,20
